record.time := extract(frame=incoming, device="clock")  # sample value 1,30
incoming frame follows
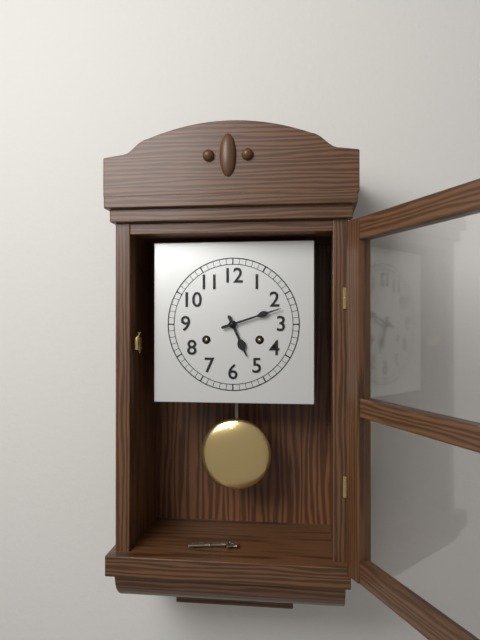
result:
5,12
